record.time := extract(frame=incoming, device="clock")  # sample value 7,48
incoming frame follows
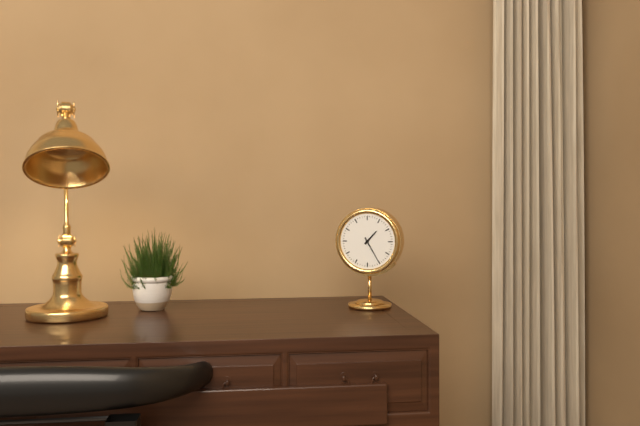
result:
1,25
